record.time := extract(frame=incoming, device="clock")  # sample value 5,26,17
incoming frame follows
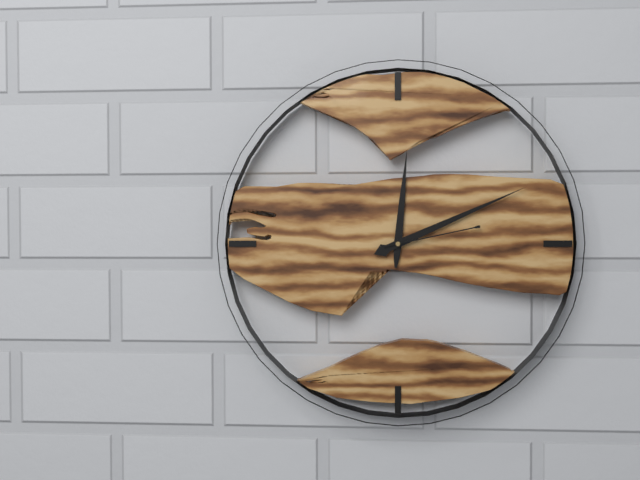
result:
12,11,13
